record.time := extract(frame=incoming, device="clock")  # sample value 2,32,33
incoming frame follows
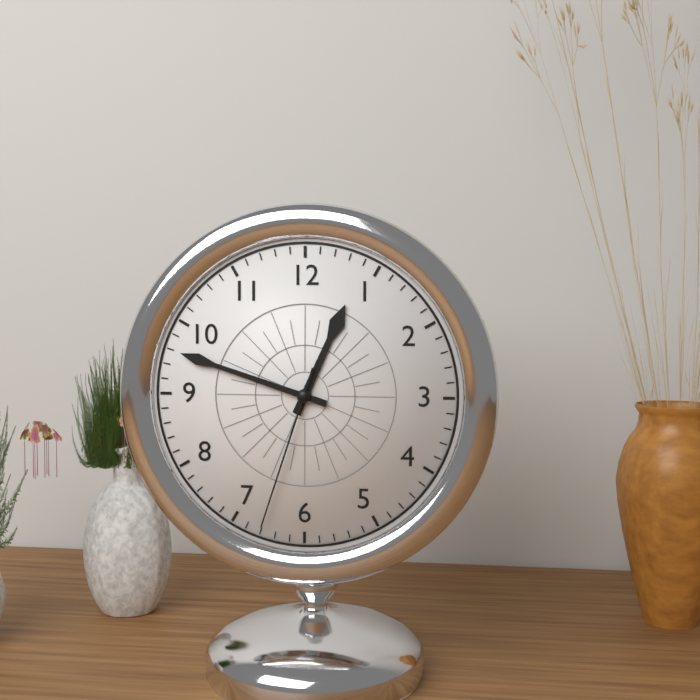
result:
12,48,33
